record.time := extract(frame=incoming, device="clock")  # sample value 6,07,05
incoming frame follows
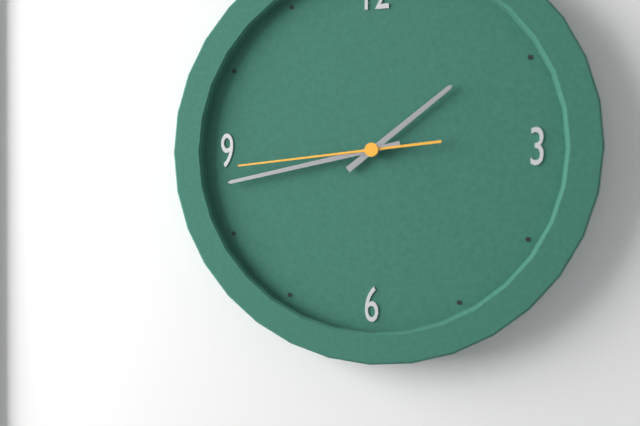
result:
1,43,44
